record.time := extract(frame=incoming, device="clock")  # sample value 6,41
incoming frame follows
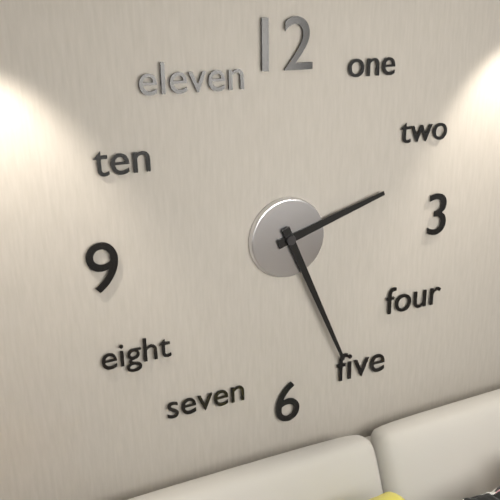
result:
2,26
